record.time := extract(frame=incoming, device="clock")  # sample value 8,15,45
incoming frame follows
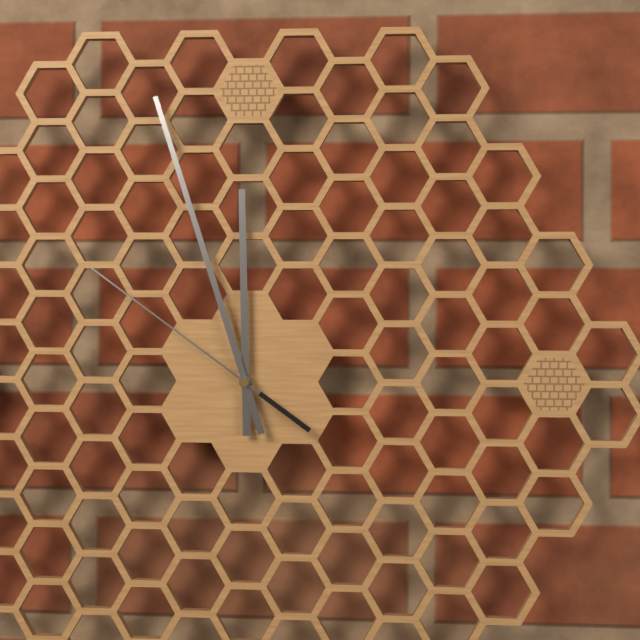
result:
11,57,51
